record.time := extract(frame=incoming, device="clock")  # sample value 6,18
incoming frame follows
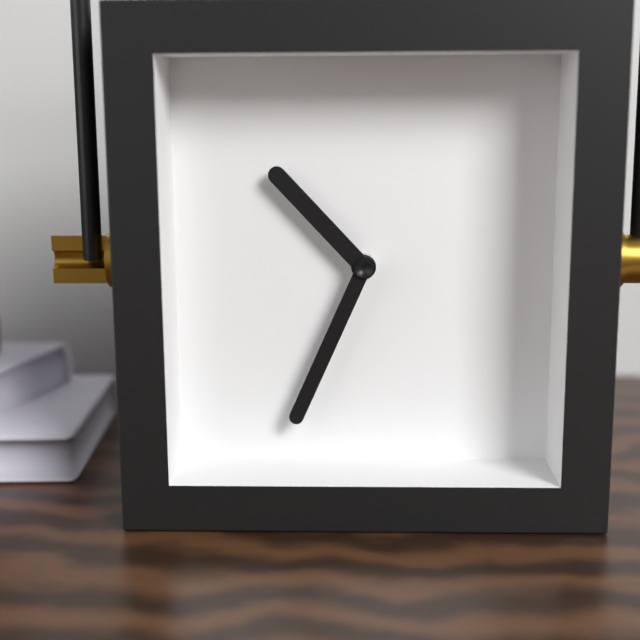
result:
10,34
